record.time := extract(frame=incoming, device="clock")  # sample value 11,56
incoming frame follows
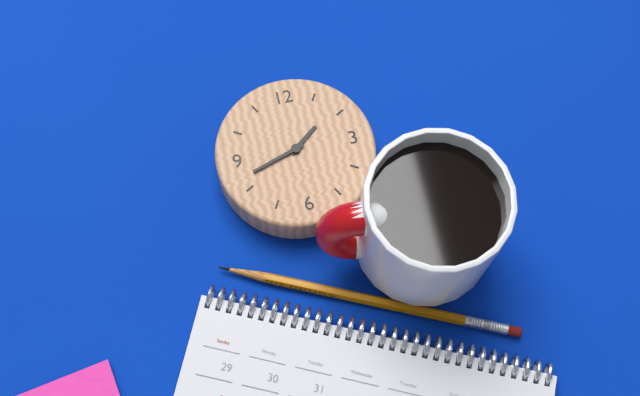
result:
1,42
